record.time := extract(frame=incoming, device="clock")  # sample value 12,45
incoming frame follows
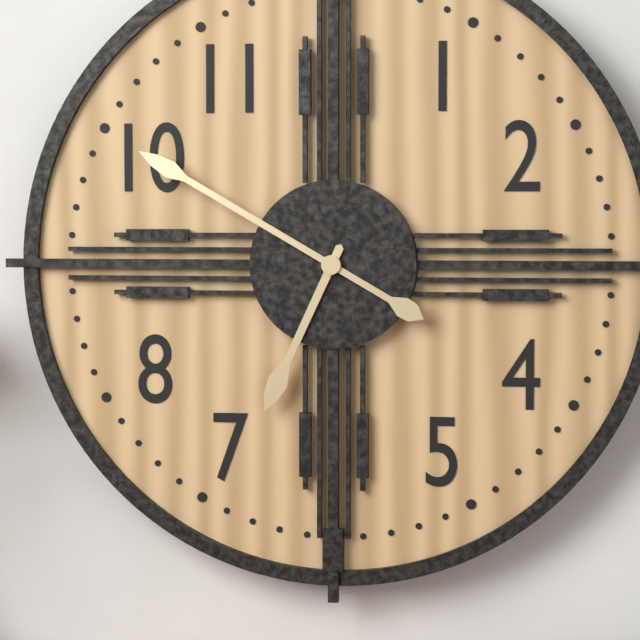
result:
6,50
